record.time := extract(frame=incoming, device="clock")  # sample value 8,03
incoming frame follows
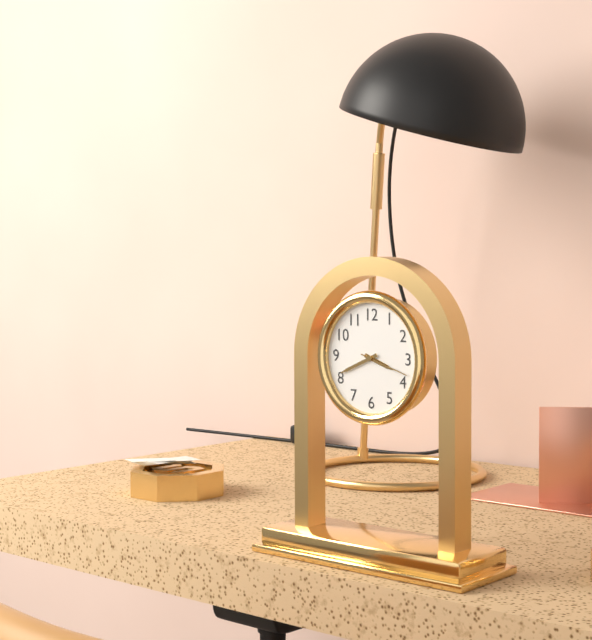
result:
3,41
